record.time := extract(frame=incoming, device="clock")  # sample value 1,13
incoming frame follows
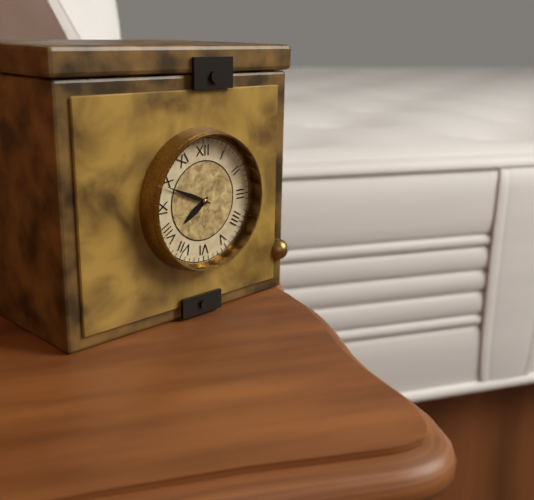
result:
7,49
